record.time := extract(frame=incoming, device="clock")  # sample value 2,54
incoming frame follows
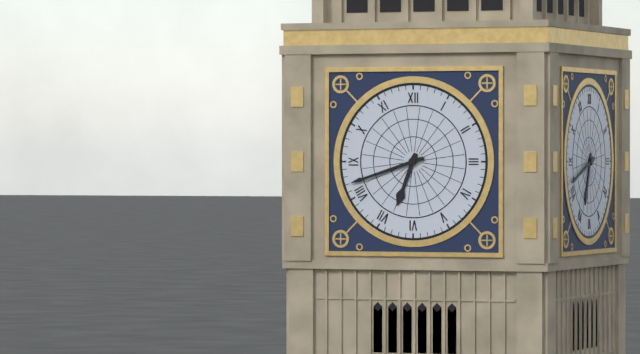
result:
6,42
